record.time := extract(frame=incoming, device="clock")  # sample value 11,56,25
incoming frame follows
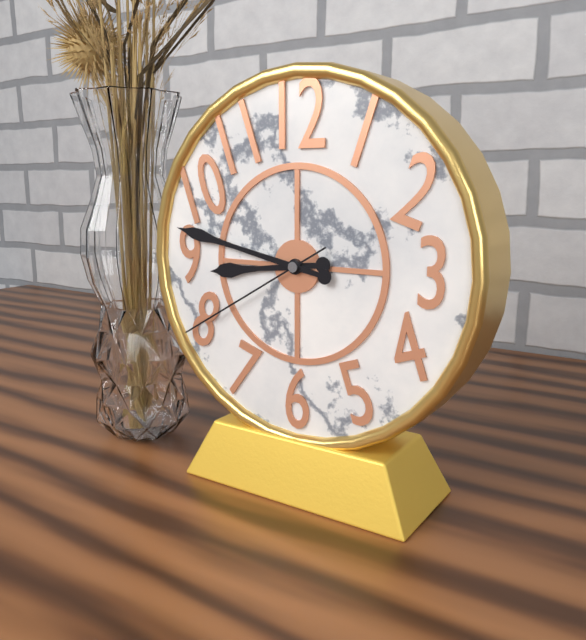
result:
8,47,40
